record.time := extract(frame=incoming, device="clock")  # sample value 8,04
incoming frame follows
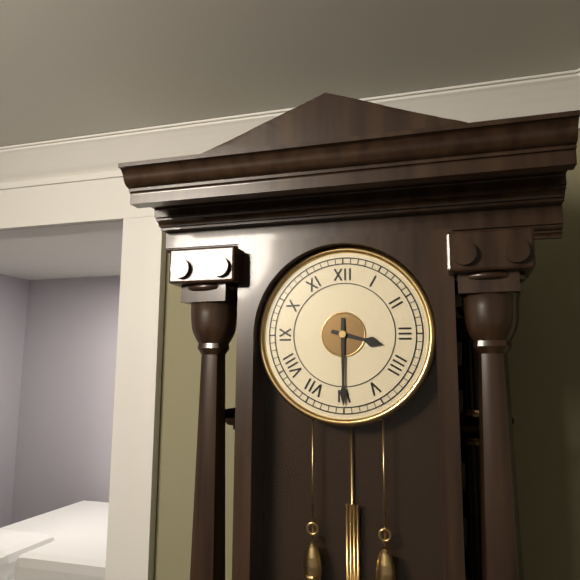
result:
3,30
